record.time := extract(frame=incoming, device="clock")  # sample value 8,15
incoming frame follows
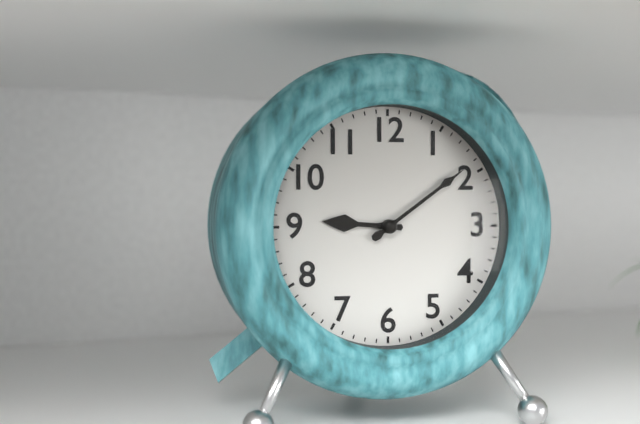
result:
9,09
